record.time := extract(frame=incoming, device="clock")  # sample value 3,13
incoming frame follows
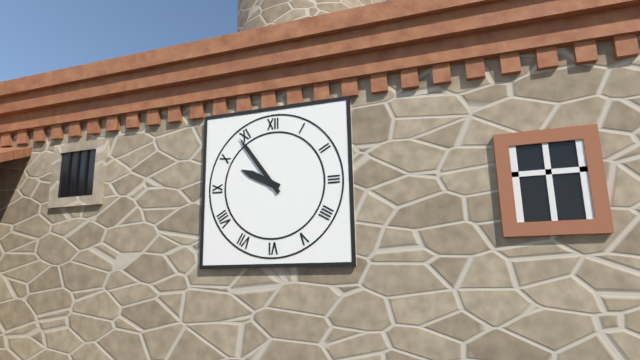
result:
9,54
